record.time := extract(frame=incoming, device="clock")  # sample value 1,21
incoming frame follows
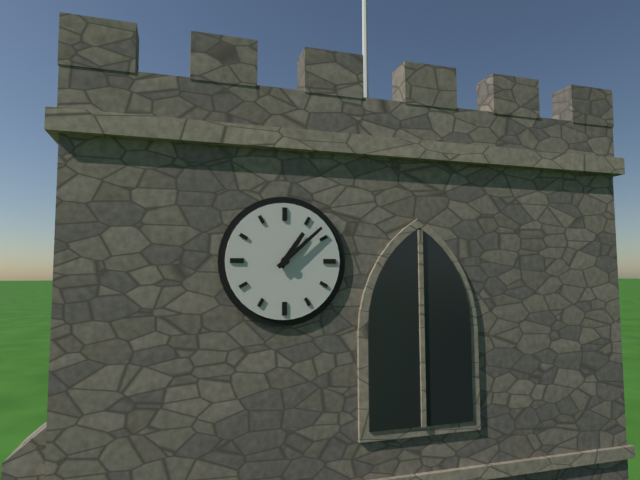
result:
1,08
